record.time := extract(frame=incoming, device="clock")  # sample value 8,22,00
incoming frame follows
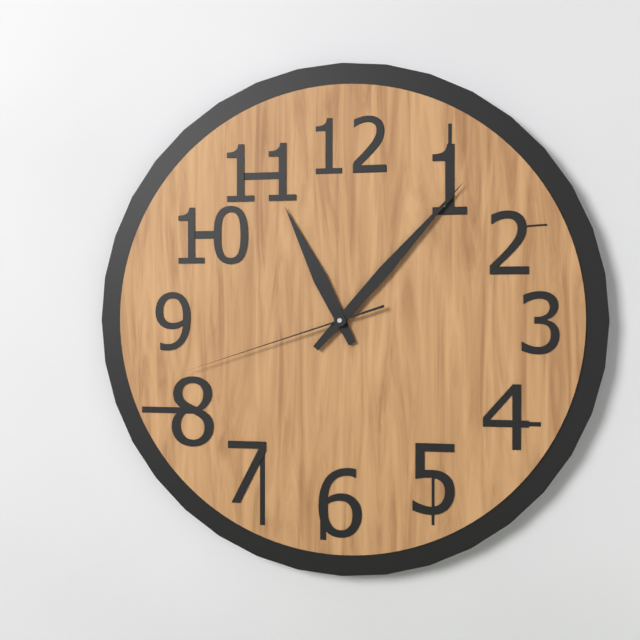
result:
11,07,42
